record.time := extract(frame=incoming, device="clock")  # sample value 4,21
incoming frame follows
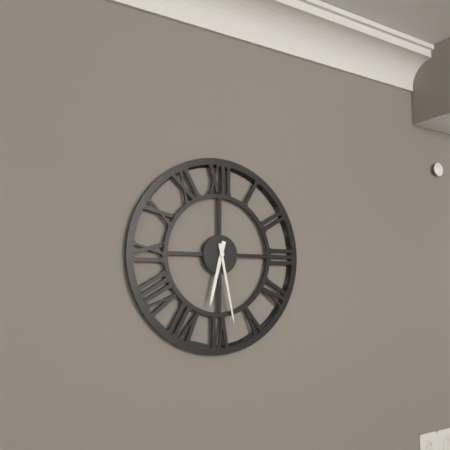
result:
6,28
